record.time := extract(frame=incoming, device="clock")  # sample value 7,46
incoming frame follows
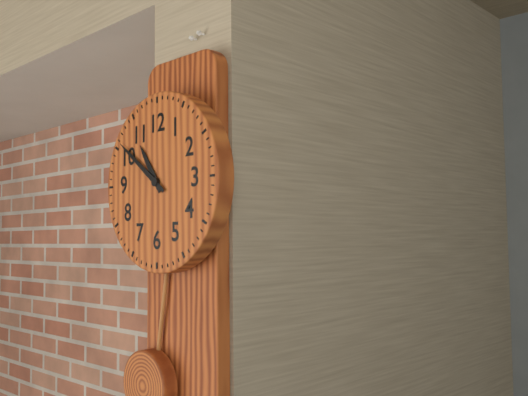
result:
10,51
